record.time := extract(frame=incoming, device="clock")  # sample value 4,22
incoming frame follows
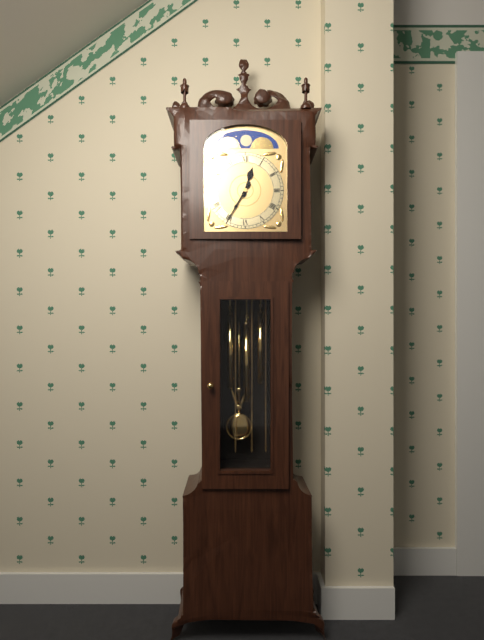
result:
12,35
